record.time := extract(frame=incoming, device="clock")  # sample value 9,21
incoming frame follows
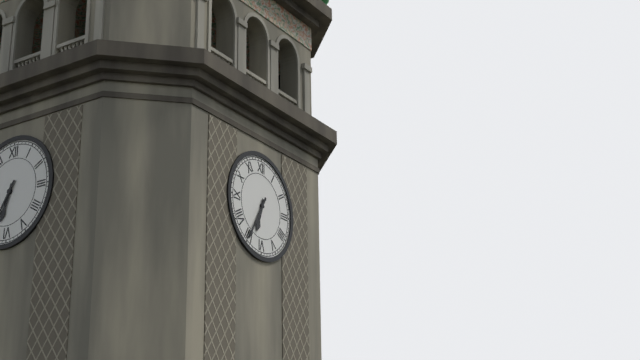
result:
6,35
